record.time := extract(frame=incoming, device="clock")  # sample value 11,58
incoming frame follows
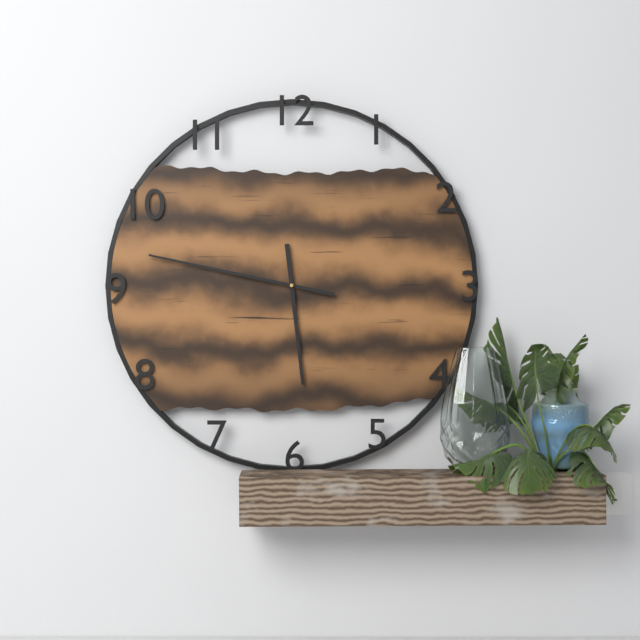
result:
5,47
